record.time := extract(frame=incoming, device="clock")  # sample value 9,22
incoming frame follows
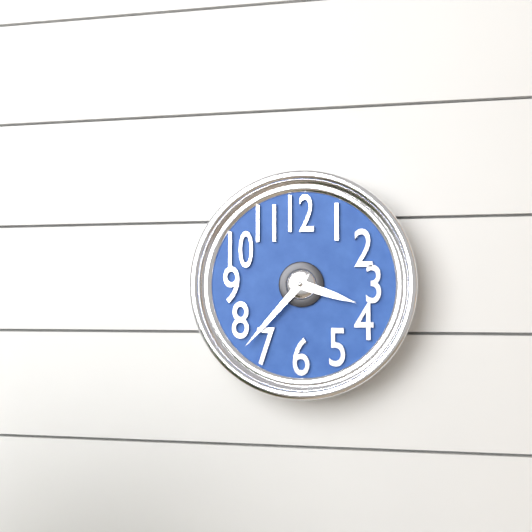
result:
3,37
